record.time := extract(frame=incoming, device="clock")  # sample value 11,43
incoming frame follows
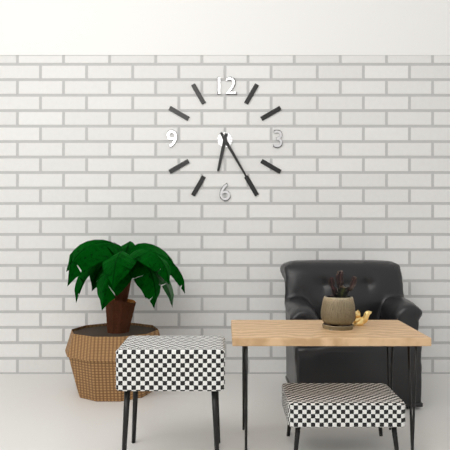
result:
6,25
